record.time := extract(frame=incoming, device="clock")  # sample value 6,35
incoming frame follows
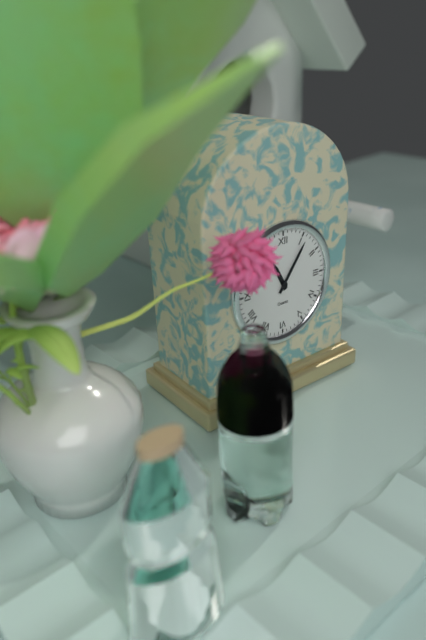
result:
11,06
